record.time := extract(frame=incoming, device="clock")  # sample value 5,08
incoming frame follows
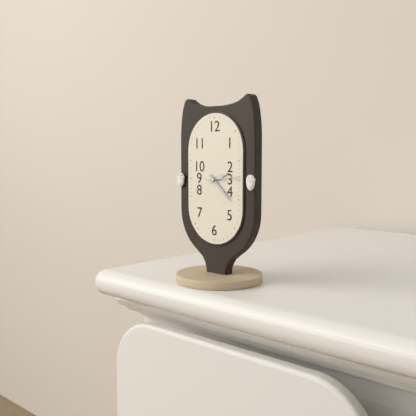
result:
2,22
